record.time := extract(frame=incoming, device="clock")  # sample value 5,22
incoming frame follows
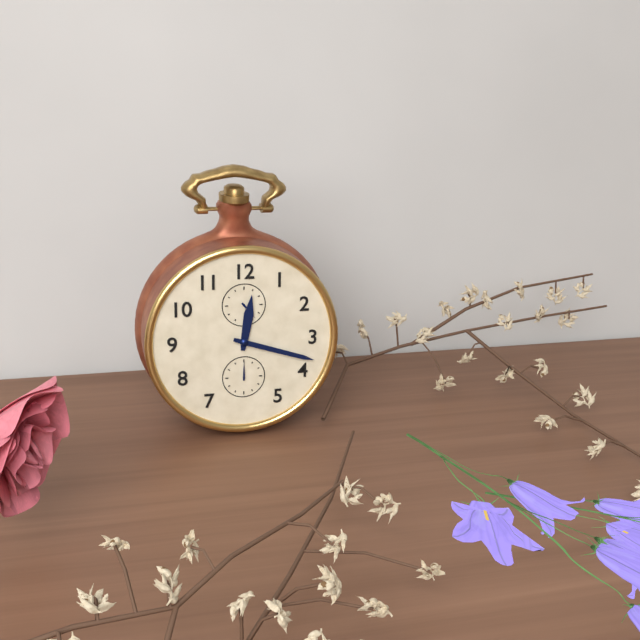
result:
12,18
